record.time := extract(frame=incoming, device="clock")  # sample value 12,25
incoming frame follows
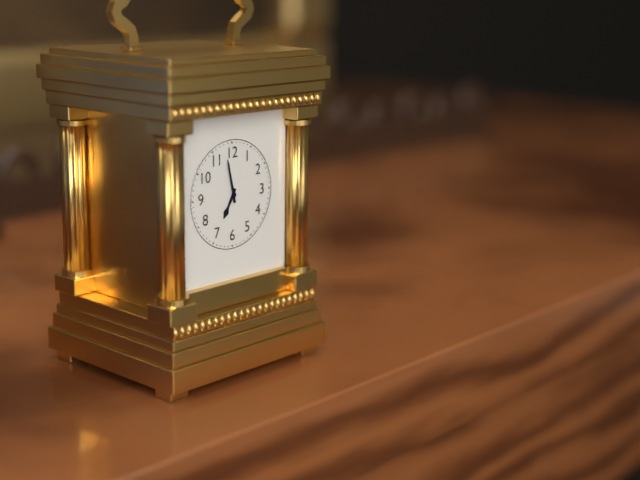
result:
6,58
